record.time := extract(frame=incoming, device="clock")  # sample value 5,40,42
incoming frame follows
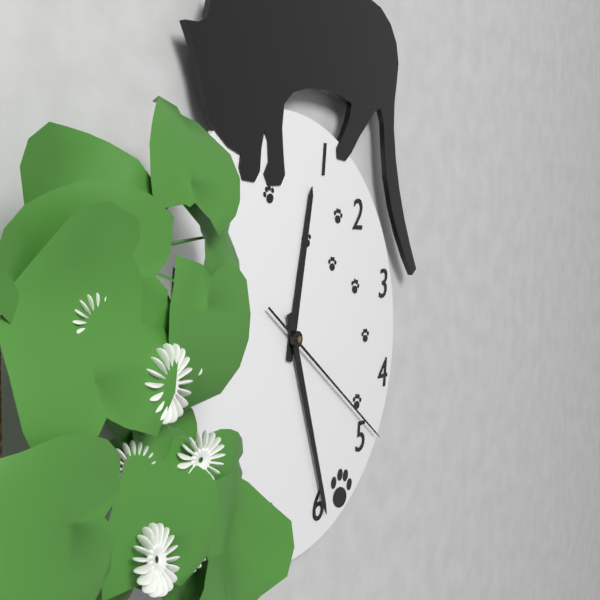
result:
12,27,21
